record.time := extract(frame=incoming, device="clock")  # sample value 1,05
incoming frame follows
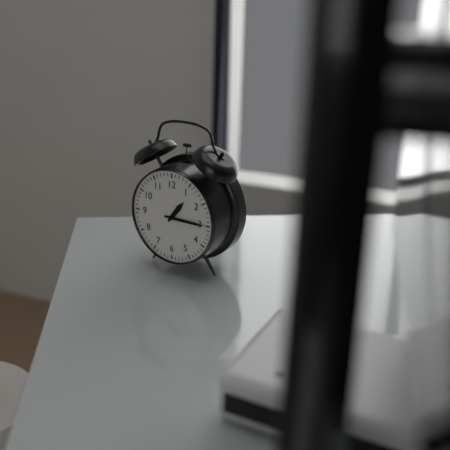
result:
1,15
